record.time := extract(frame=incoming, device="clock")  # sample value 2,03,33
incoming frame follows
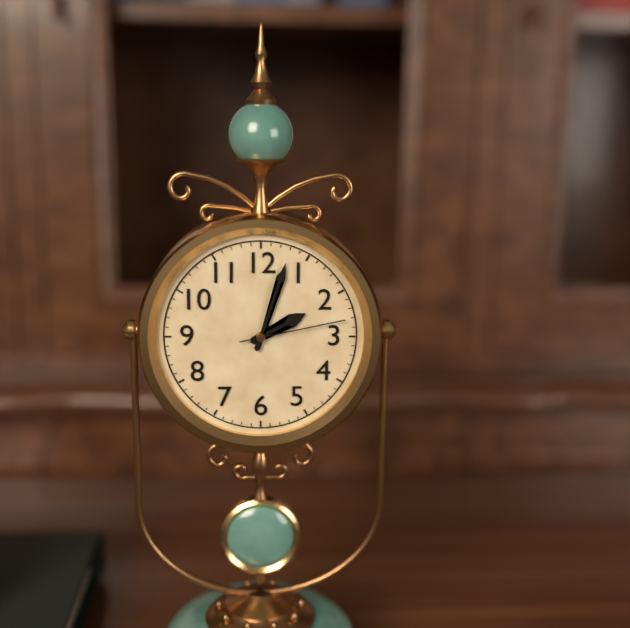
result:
2,03,13
